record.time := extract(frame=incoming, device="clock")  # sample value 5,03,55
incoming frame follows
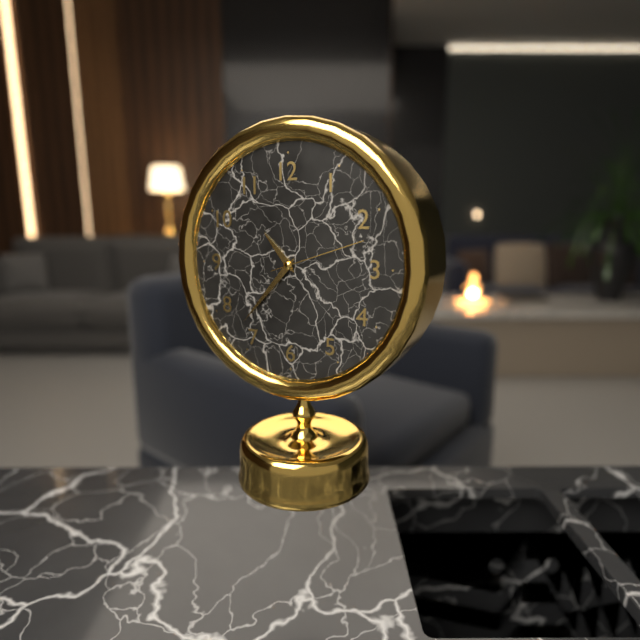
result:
10,37,12
